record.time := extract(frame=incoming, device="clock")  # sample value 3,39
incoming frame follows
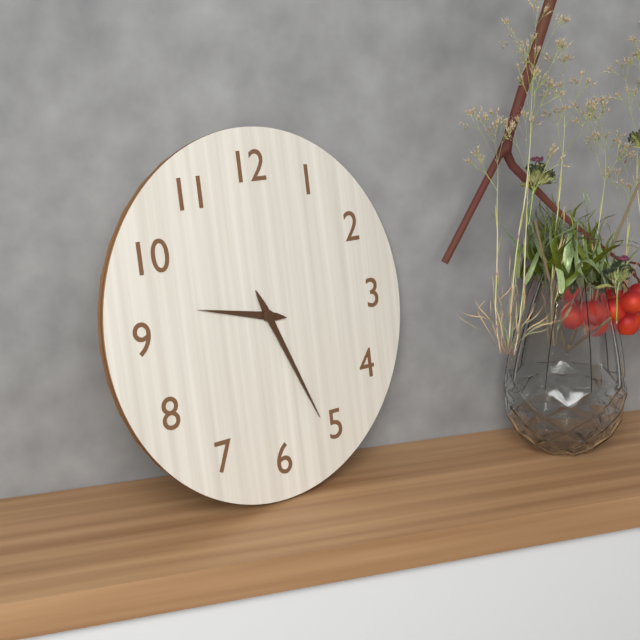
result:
9,26
